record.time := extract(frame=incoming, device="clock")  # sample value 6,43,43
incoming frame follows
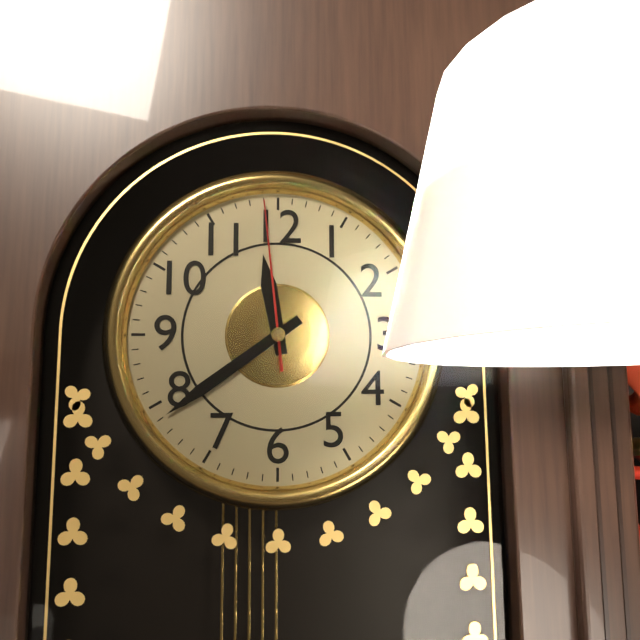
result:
11,39,59
